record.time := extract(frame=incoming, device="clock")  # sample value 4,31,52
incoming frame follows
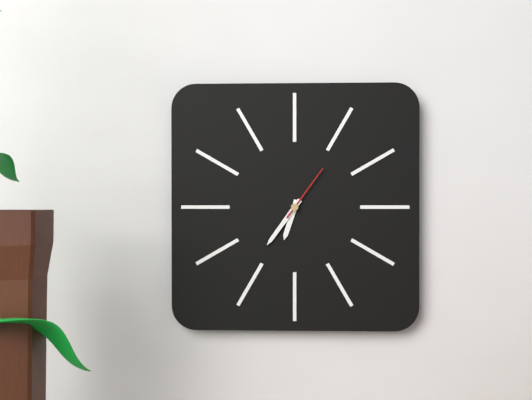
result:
6,36,06
